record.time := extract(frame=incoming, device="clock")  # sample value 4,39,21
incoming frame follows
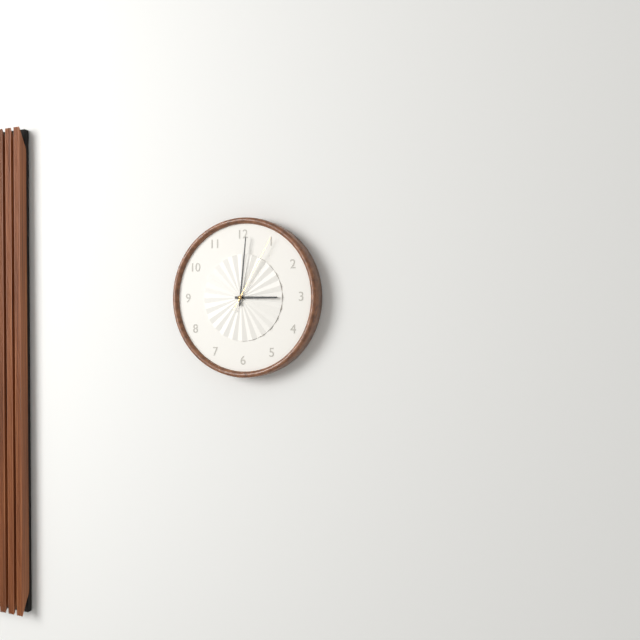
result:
3,01,05
